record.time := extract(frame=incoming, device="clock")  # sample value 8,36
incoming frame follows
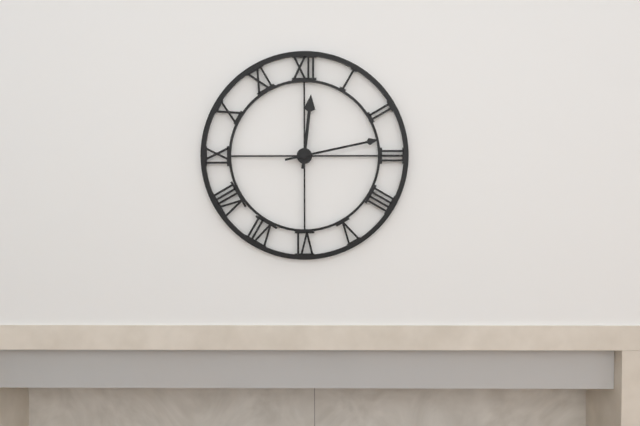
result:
12,13
